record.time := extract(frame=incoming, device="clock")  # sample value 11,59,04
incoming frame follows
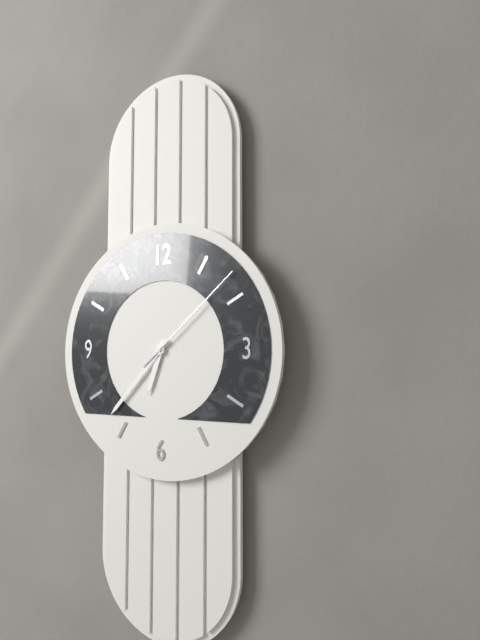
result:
6,37,08
